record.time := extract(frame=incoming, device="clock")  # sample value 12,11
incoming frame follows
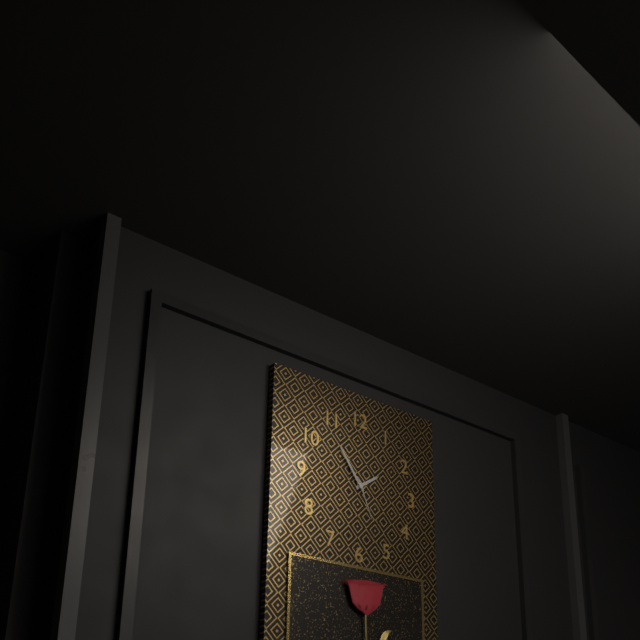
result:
1,54
